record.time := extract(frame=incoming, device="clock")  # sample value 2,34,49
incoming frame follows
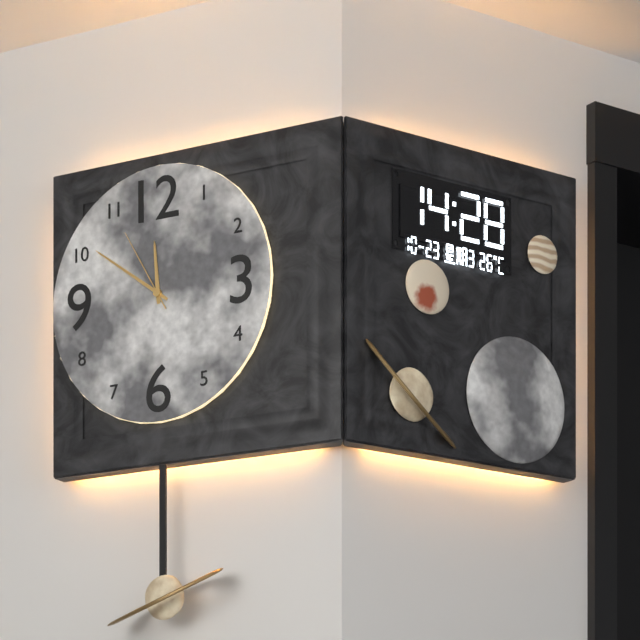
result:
11,51,55
